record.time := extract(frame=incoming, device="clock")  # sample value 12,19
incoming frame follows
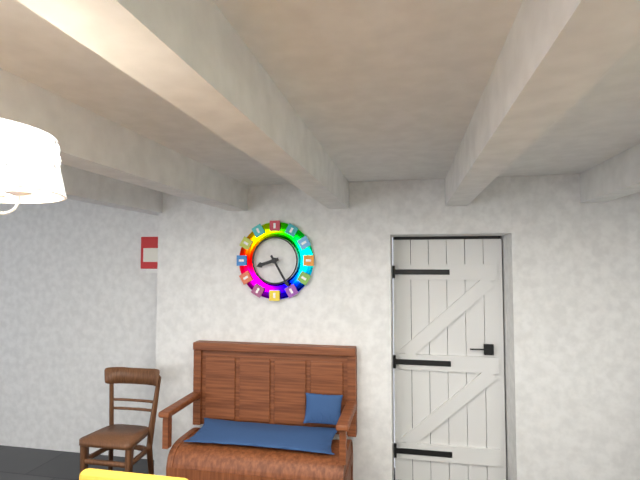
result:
8,25
